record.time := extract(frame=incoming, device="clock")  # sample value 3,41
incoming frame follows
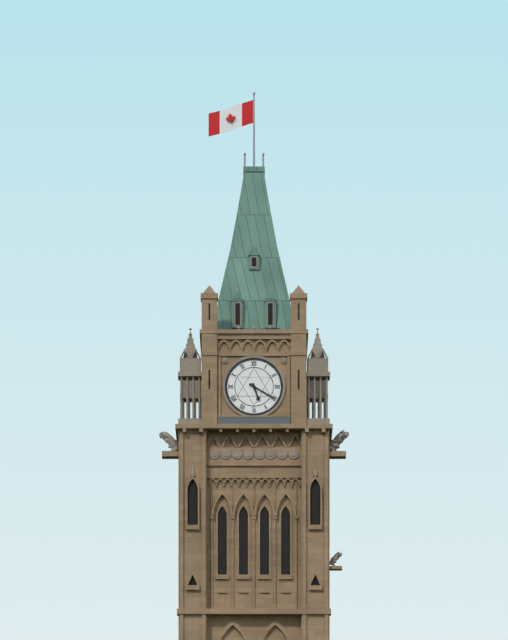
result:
5,20
